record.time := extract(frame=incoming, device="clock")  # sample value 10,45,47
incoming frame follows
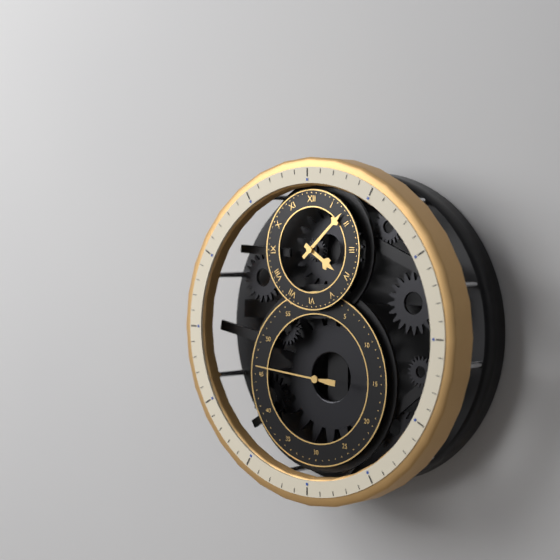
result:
4,08,46
